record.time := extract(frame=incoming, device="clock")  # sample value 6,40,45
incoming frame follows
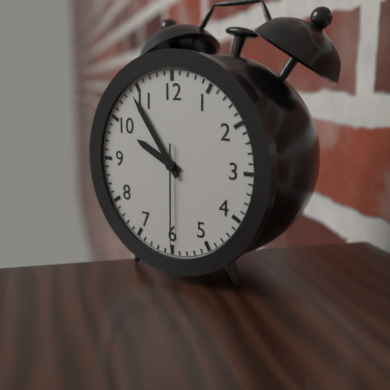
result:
9,54,30
